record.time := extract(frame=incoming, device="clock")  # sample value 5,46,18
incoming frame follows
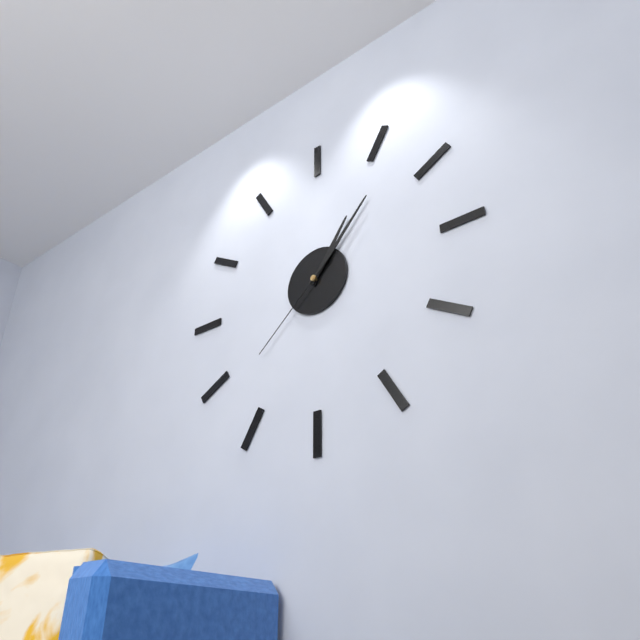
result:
1,07,38
